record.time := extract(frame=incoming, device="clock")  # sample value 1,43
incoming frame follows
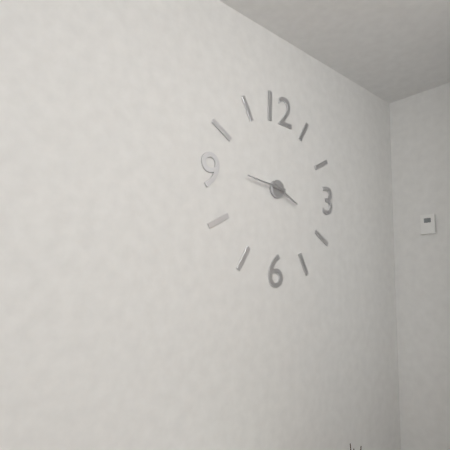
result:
3,46
